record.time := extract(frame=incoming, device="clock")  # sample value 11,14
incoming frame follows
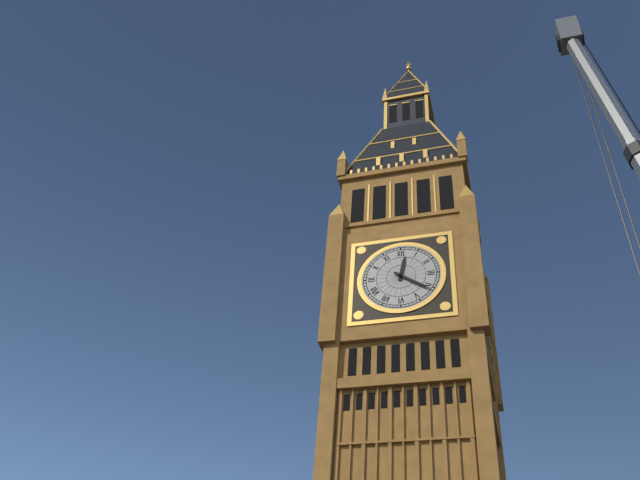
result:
12,21
